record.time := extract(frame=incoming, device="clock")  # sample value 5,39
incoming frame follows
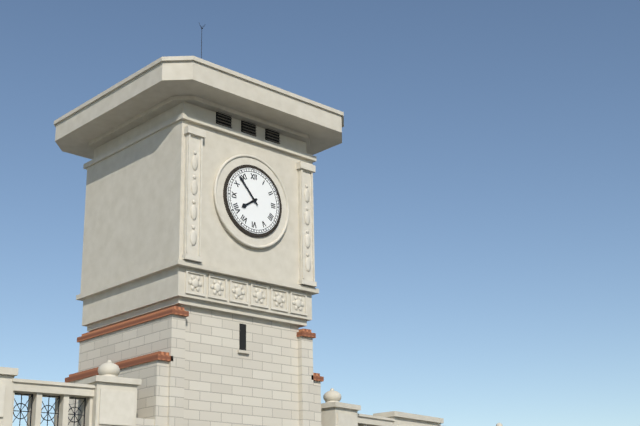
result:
7,53
